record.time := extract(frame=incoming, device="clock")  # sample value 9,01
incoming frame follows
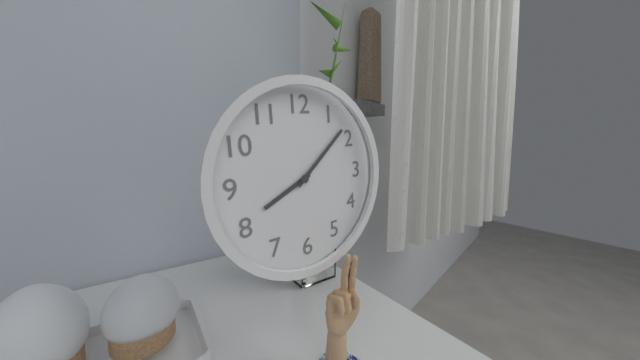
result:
8,08
